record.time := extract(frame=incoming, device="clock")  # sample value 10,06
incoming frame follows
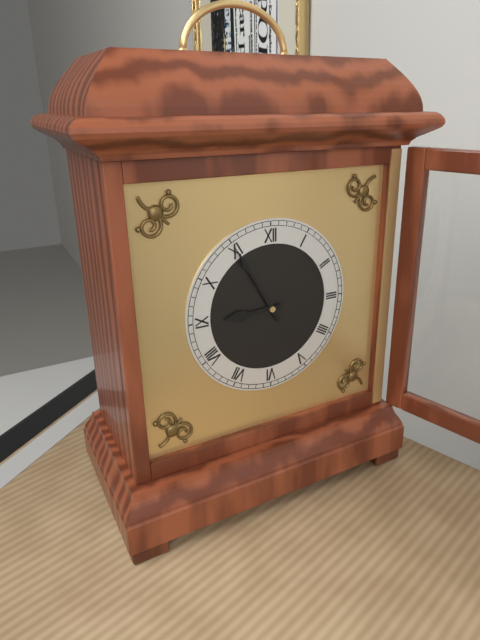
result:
8,55
